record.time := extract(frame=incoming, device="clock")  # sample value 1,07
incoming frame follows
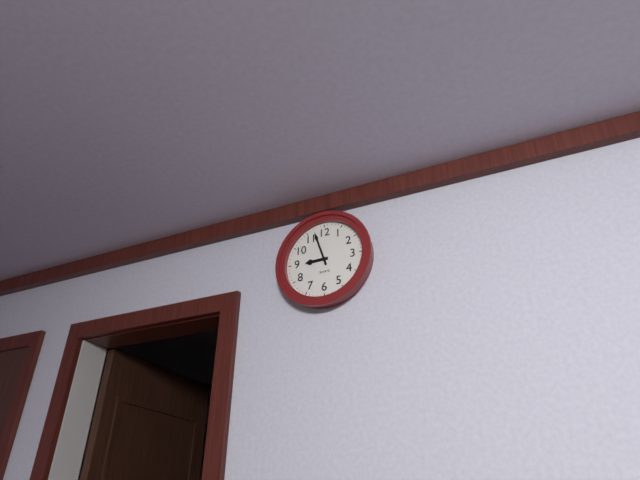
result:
8,57
